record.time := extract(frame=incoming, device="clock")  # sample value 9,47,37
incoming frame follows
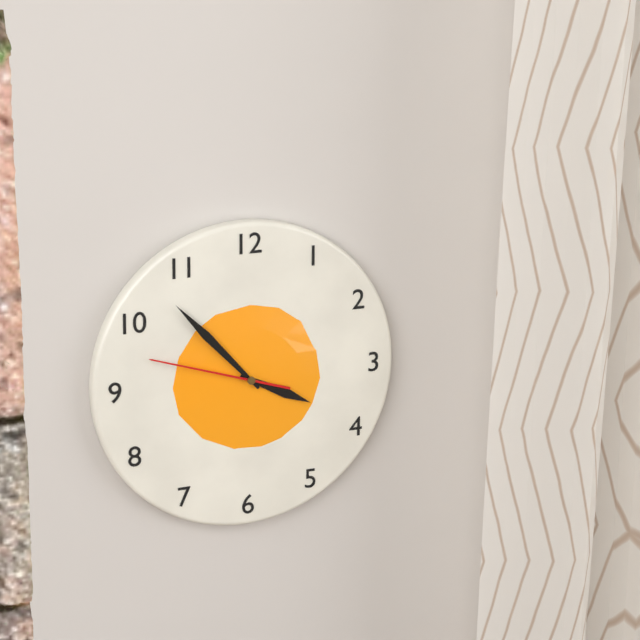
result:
3,53,48
